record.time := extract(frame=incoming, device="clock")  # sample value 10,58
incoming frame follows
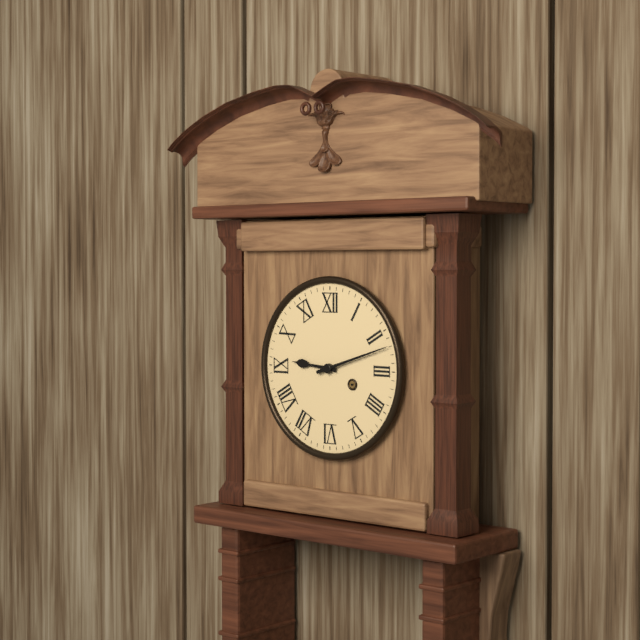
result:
9,12
